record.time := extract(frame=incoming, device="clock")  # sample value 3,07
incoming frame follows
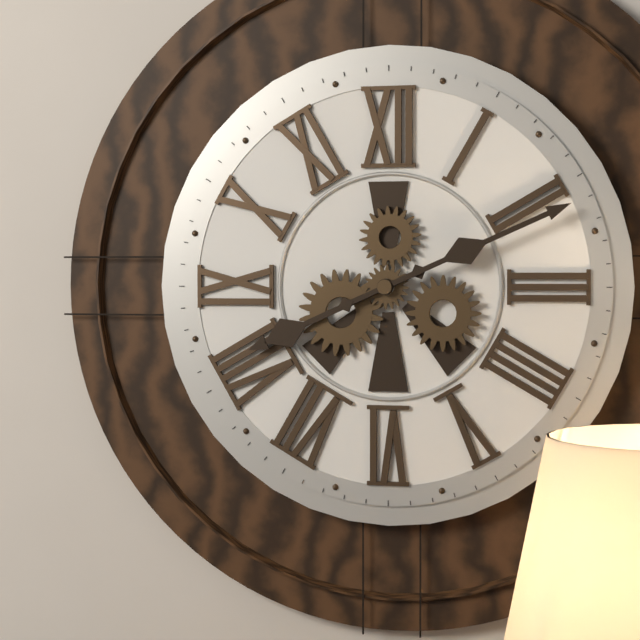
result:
8,11
